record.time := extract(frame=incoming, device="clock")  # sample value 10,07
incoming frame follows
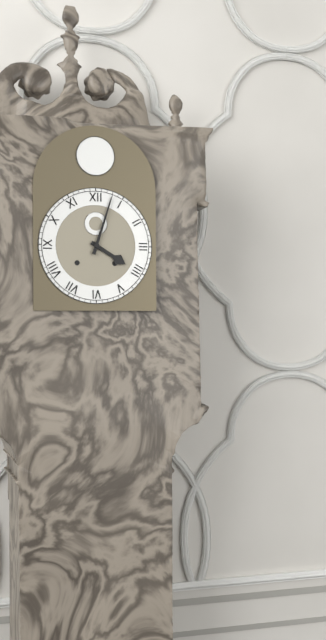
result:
4,03
